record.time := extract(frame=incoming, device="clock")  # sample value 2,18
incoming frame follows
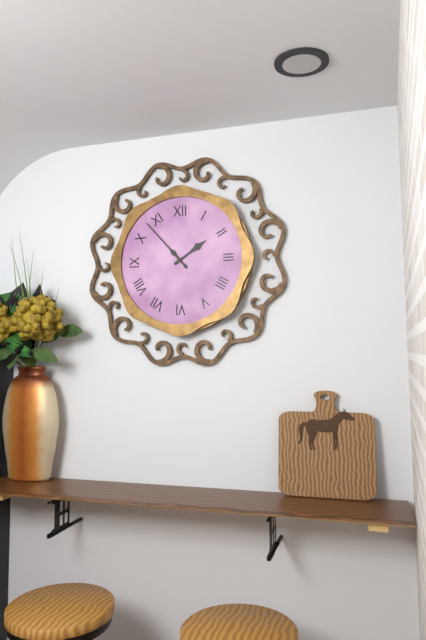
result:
1,53
